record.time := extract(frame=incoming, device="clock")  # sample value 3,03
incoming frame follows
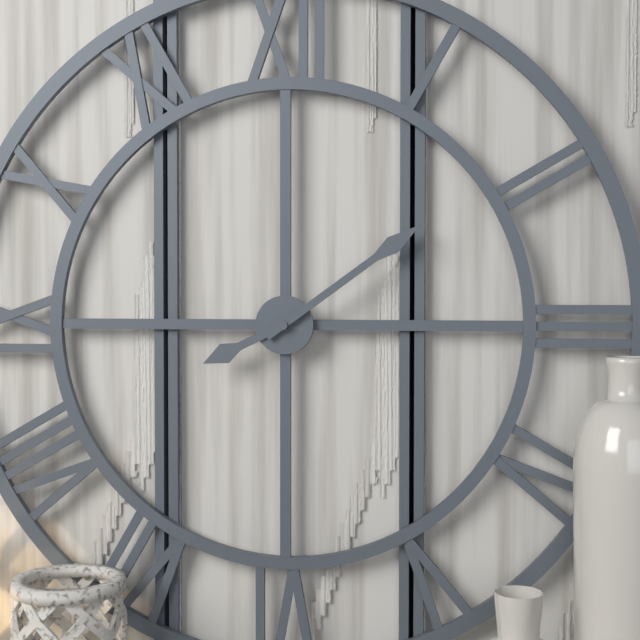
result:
8,09
